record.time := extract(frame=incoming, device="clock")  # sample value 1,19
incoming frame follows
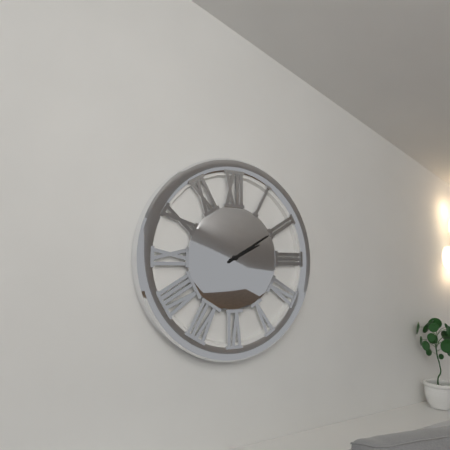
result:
2,10
